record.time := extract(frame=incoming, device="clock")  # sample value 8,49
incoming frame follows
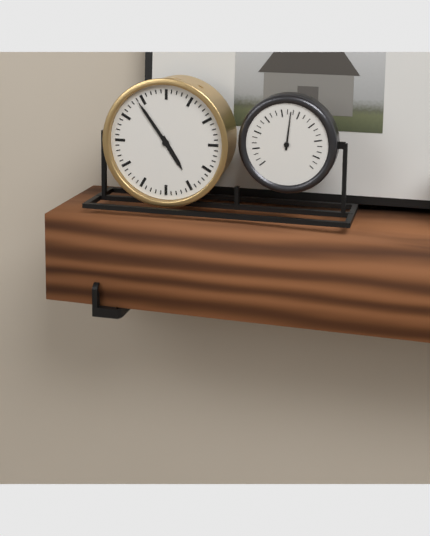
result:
4,54
